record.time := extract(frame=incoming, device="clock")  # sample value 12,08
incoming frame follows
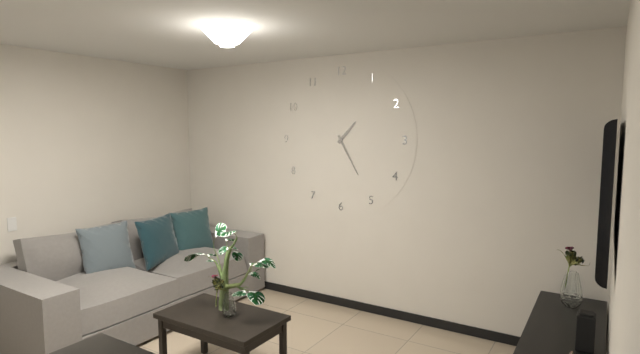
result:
1,25
